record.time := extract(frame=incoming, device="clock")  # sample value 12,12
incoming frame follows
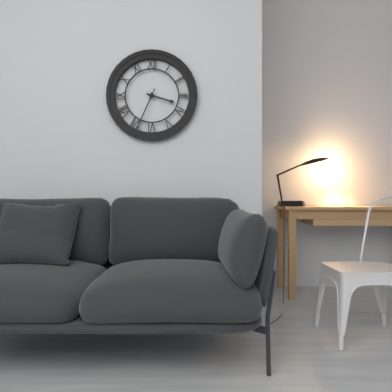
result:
3,34
